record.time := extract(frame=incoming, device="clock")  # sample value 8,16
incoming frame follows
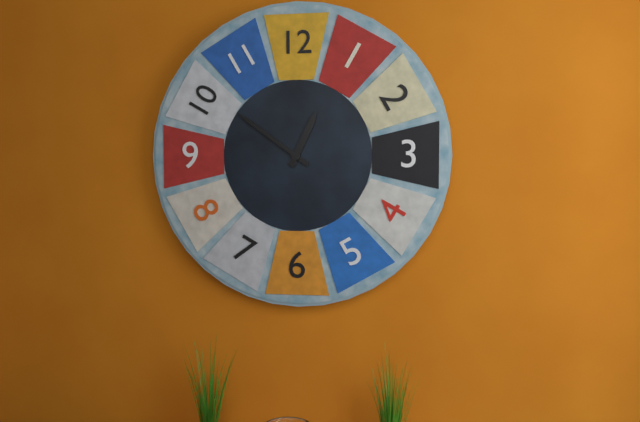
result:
12,51
